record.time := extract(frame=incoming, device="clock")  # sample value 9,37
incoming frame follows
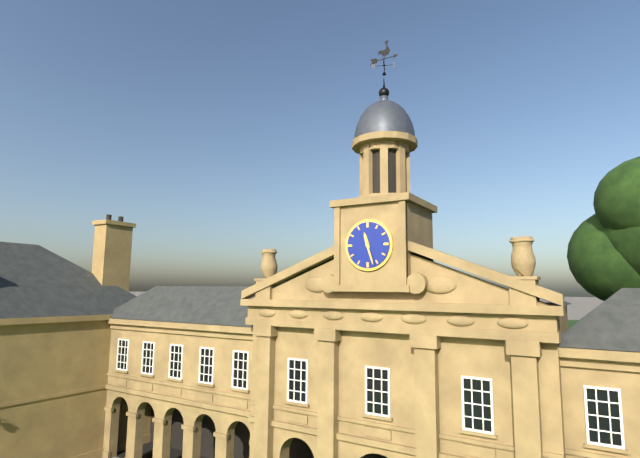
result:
11,27
